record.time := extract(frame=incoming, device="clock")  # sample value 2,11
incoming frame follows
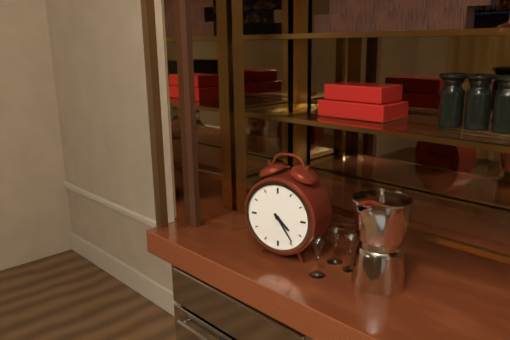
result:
4,24
